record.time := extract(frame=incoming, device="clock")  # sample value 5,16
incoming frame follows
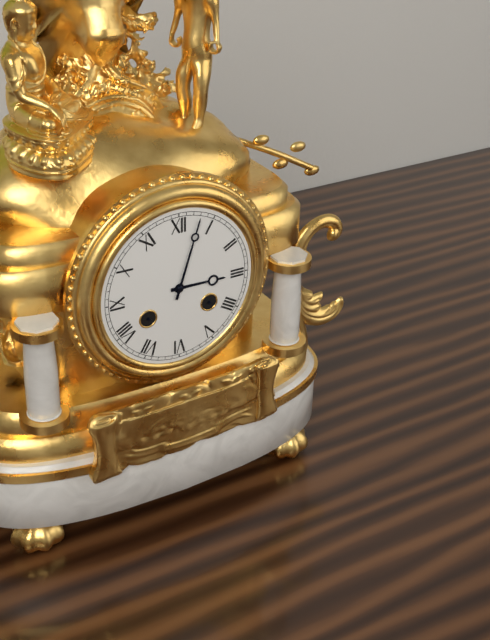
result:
3,03
